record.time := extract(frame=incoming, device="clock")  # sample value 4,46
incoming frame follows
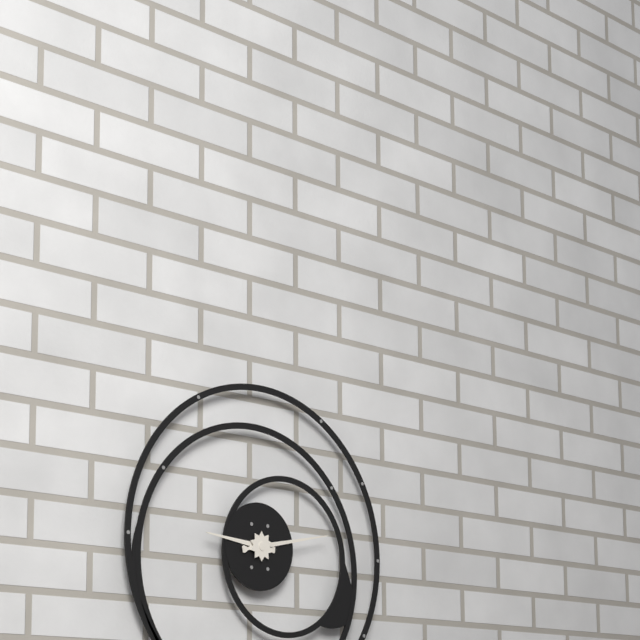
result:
9,13
